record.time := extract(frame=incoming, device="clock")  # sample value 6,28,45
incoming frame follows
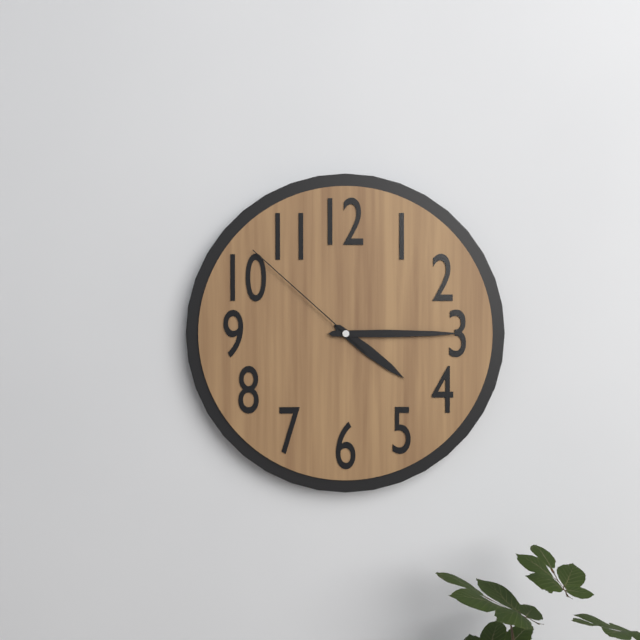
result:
4,15,52
